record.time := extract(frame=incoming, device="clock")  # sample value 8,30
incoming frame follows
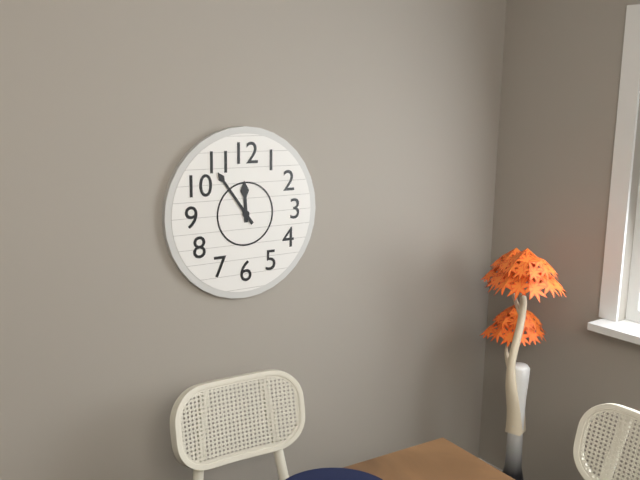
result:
11,54
